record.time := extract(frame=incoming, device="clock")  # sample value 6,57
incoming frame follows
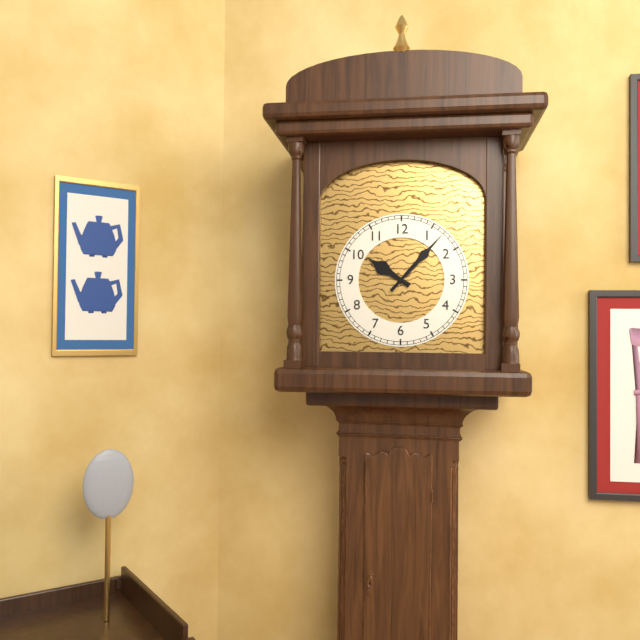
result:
10,07
